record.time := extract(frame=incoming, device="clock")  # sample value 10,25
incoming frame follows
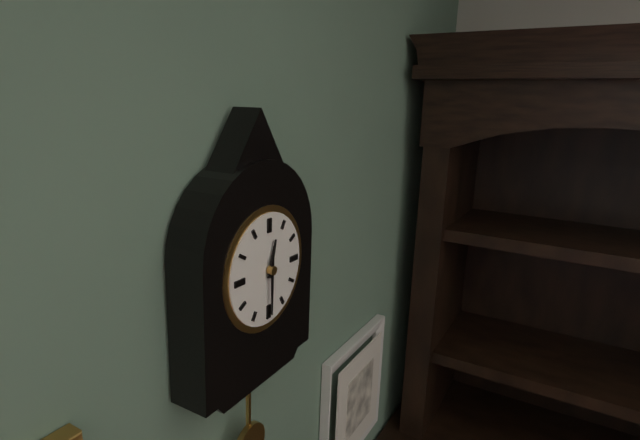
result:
12,30
